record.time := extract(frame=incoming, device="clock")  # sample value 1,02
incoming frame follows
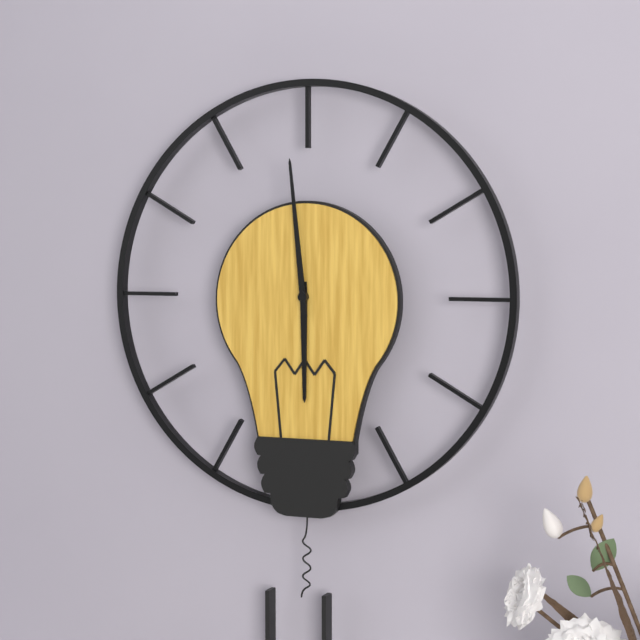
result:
5,59
